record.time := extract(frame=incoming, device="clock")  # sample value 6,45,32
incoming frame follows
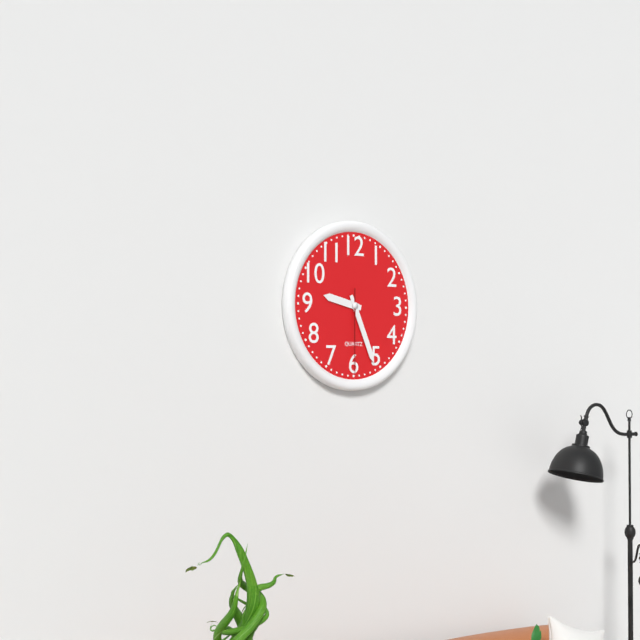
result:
9,26,30
